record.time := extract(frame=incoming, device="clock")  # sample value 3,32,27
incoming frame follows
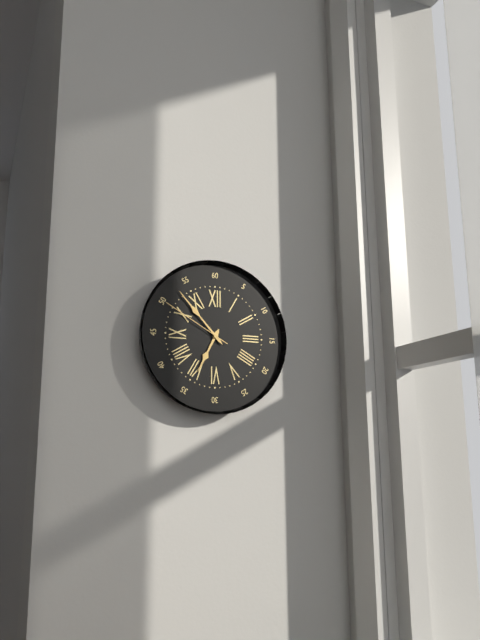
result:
6,53,50
